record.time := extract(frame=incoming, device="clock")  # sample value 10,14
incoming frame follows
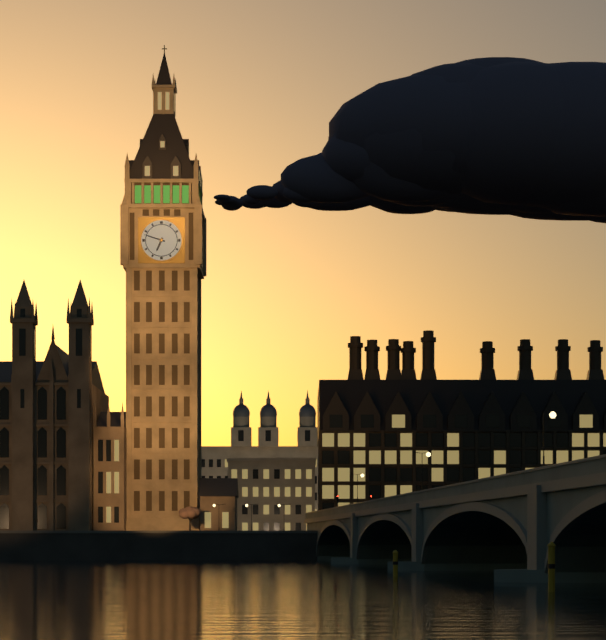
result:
6,48
